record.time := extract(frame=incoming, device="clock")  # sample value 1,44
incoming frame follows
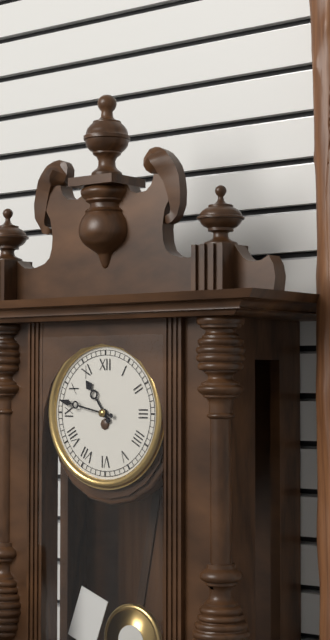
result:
10,47
